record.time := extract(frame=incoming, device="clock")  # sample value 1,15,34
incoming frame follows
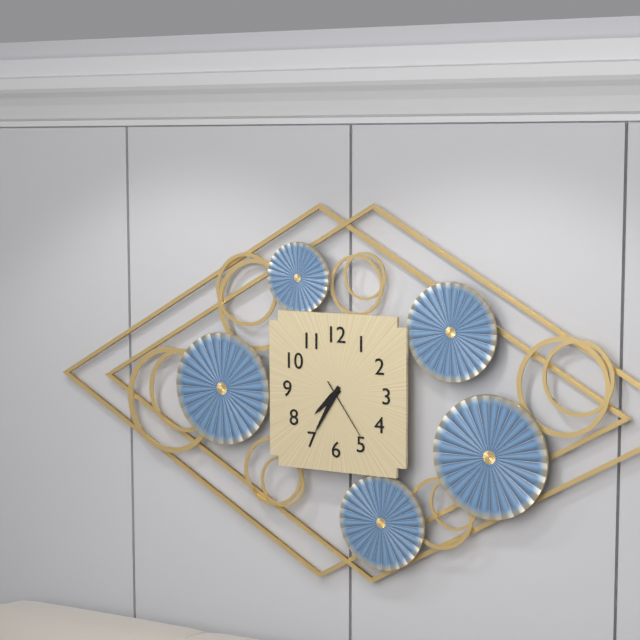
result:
7,35,24
